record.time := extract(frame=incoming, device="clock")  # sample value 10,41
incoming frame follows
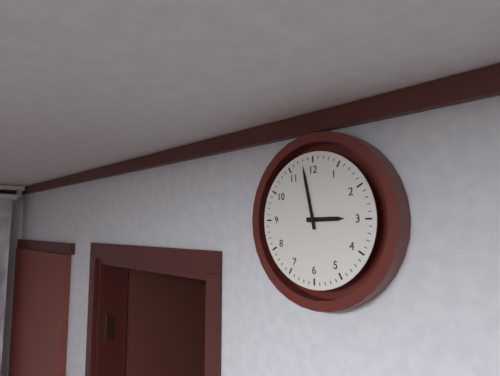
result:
2,58
